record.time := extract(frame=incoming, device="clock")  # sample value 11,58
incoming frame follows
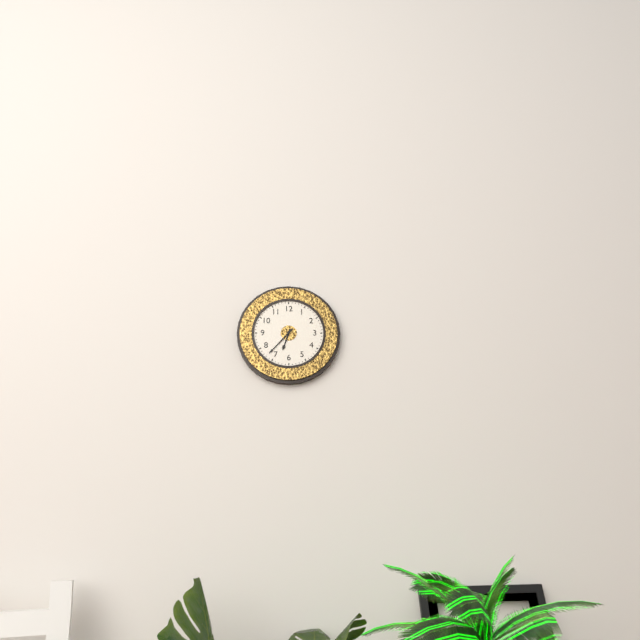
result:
6,37
